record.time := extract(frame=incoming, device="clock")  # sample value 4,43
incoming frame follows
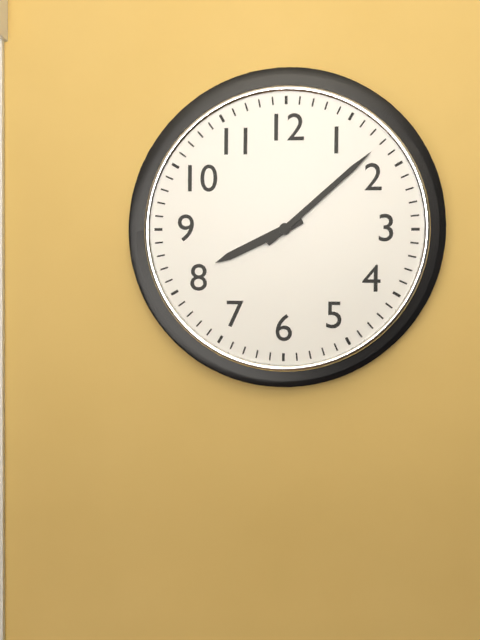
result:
8,08
